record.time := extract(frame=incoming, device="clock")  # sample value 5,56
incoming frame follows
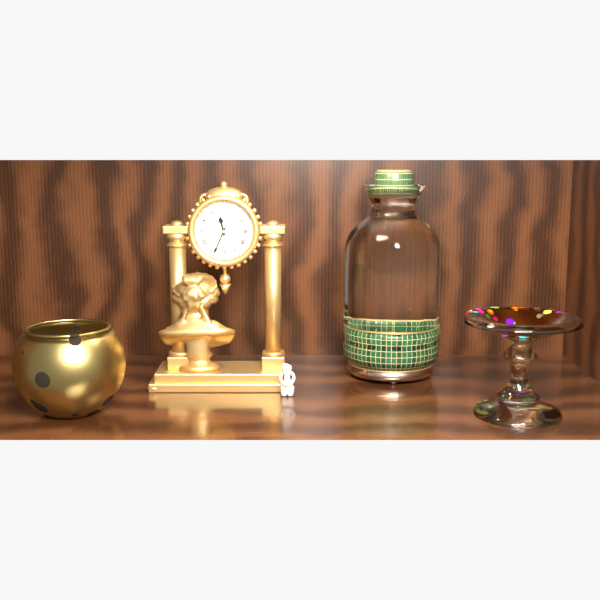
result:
11,34
